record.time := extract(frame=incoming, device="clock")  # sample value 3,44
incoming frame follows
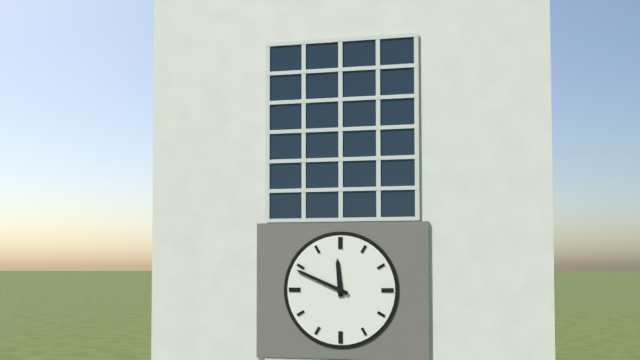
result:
11,49
